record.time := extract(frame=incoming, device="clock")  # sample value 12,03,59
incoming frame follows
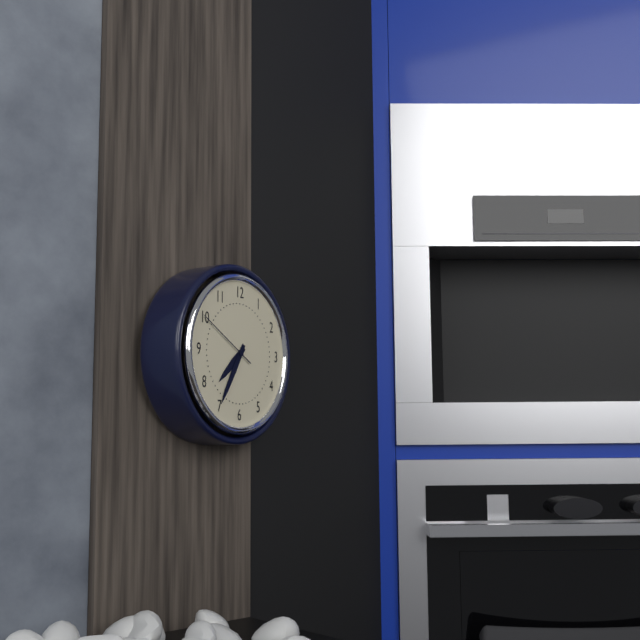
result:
7,35,50
